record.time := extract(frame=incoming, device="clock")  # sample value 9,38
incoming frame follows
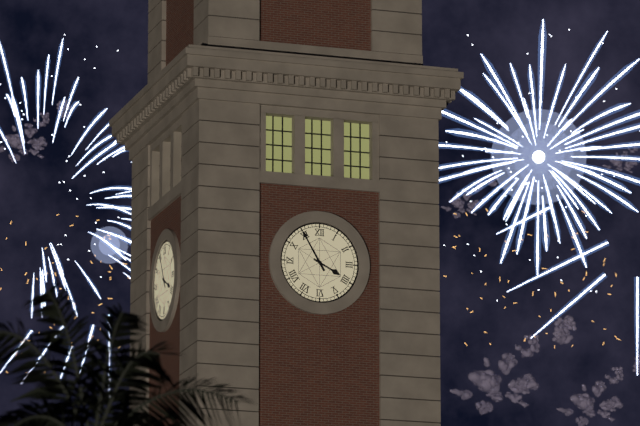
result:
3,55
